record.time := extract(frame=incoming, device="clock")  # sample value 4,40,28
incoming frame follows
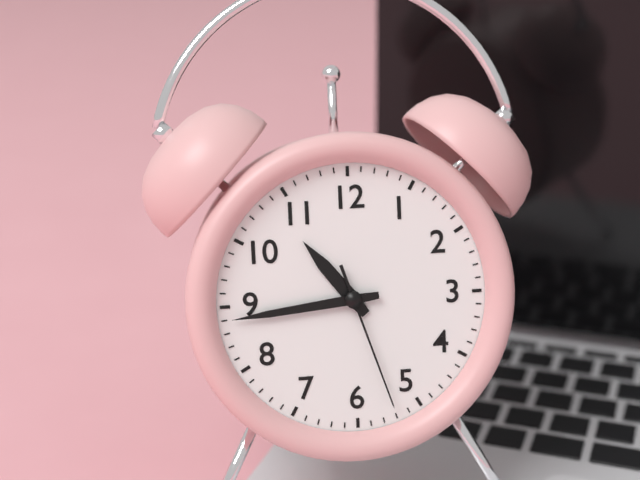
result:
10,44,27
